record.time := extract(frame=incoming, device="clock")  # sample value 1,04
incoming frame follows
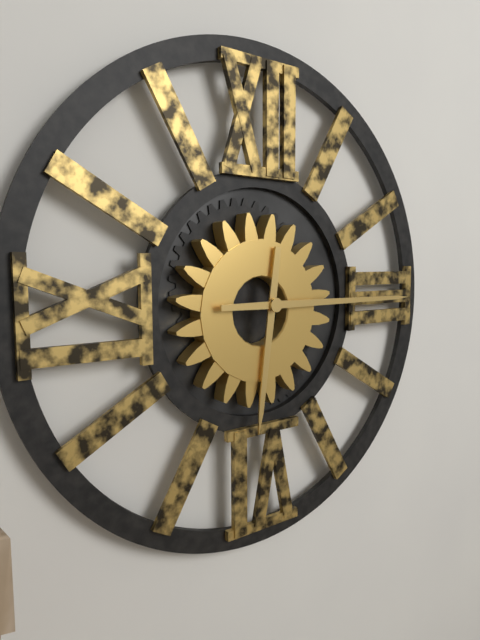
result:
6,15
